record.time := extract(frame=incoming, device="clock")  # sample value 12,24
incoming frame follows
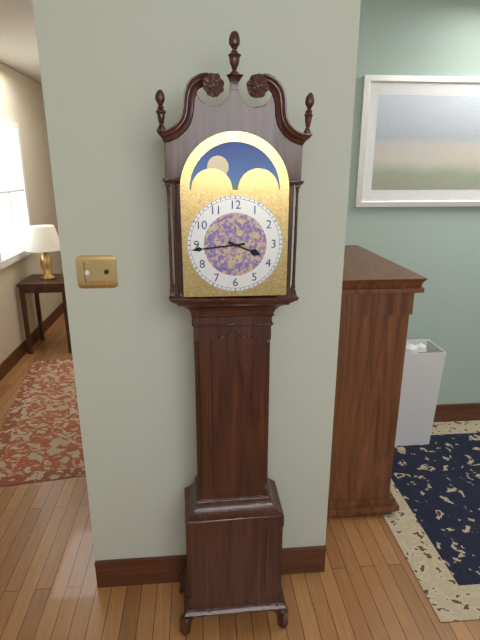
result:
3,44
